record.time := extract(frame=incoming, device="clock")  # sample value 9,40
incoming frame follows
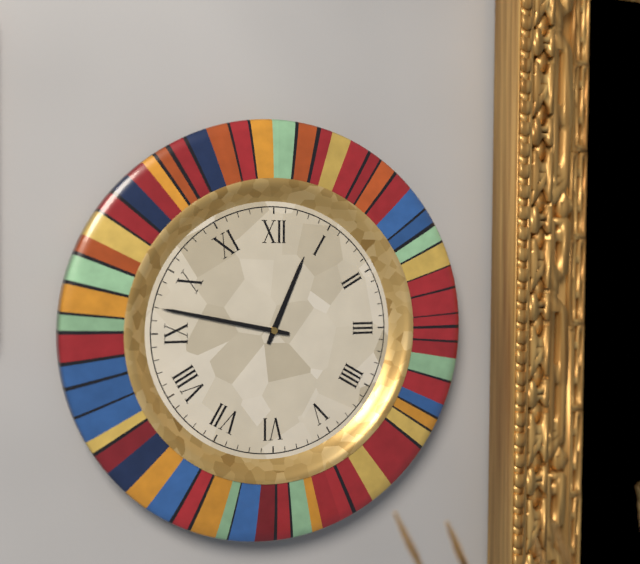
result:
12,47
